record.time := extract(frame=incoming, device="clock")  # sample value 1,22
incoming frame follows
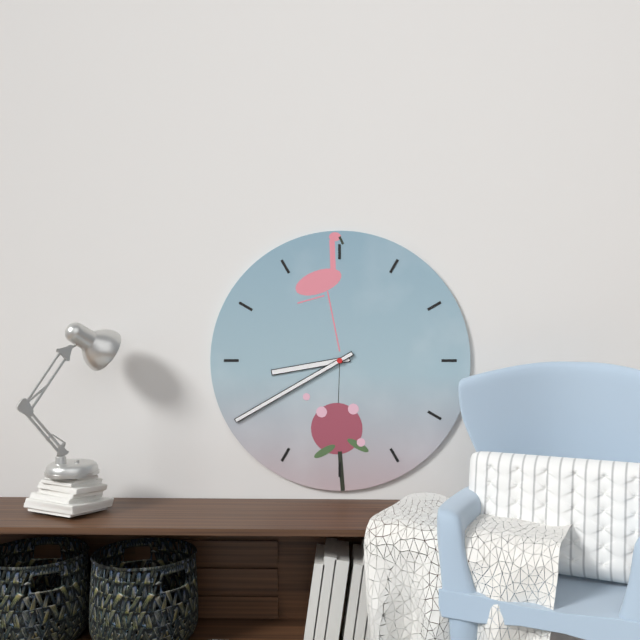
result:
8,40
